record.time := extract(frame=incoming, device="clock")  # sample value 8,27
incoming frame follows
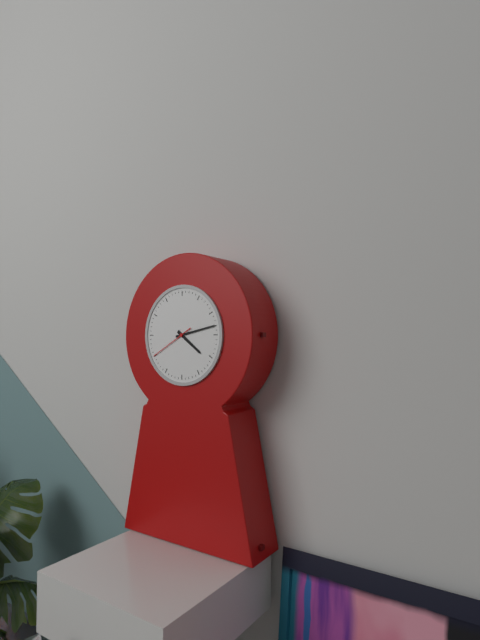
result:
4,13
